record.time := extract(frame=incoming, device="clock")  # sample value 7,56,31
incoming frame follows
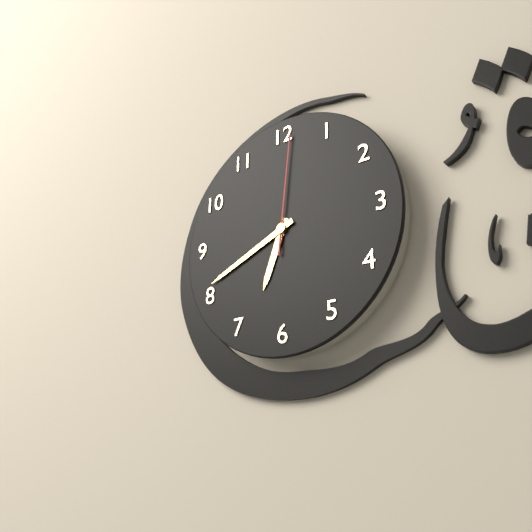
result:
6,41,01
